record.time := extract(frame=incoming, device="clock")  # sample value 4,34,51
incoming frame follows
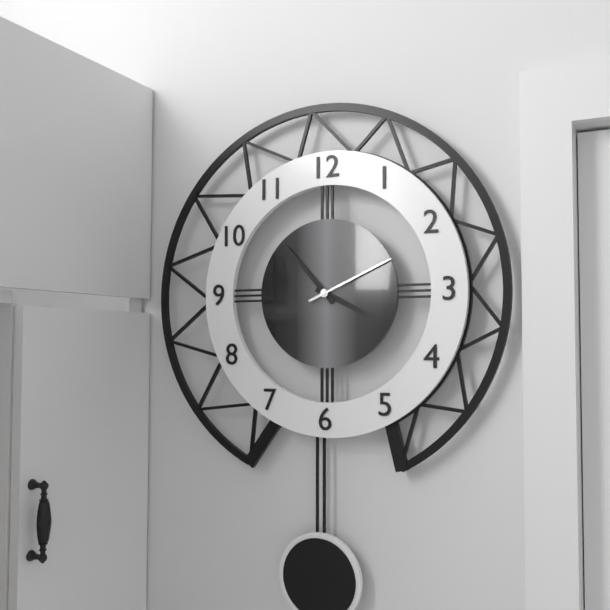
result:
3,53,11
